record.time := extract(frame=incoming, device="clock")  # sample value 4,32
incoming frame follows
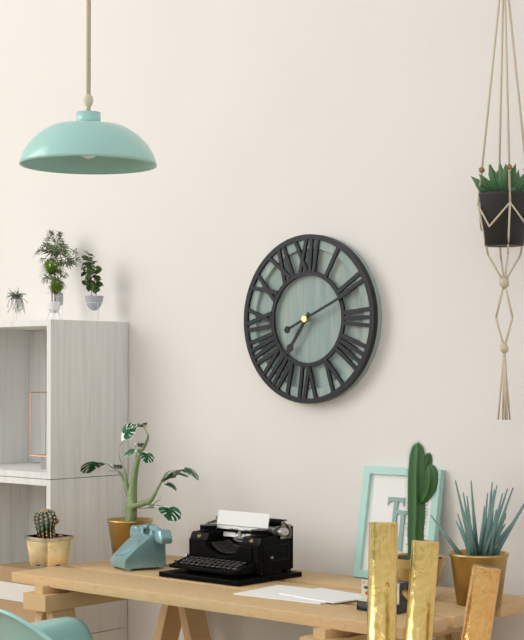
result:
7,11
